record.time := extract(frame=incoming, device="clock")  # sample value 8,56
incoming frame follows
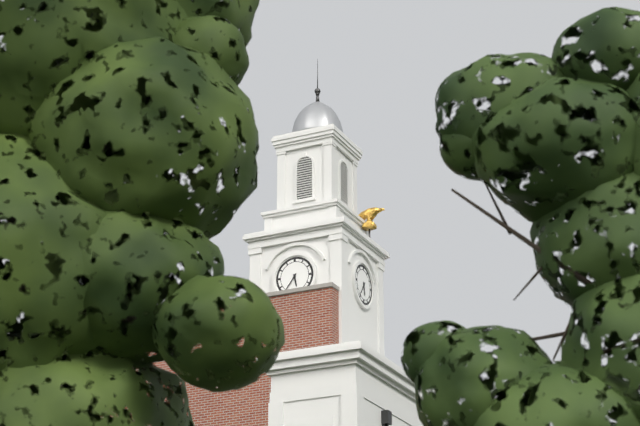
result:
5,36
